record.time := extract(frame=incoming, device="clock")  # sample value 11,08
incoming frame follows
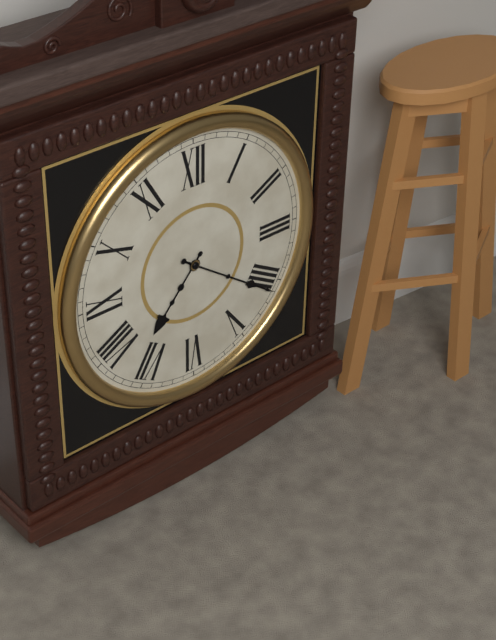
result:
7,21
